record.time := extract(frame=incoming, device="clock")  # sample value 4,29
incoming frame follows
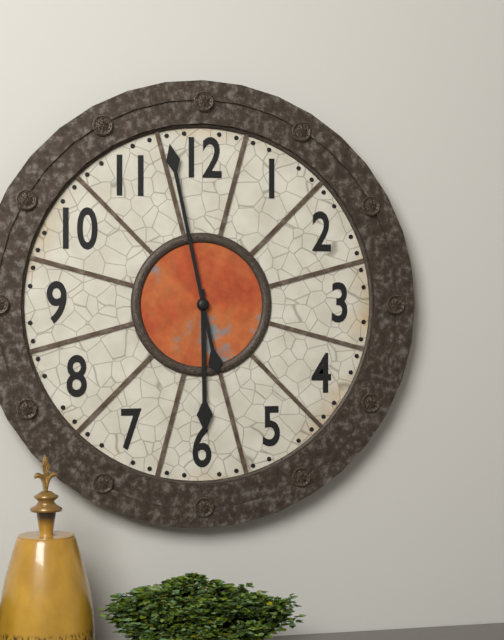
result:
5,58
